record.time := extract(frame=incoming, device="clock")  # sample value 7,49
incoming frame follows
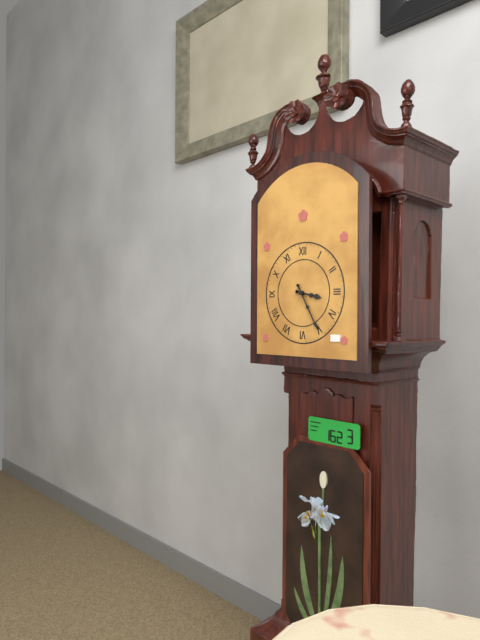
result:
3,25
